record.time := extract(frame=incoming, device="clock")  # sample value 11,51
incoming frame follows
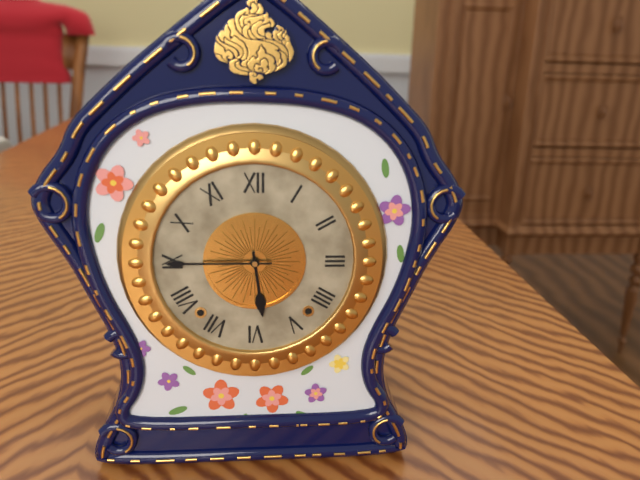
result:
5,45
